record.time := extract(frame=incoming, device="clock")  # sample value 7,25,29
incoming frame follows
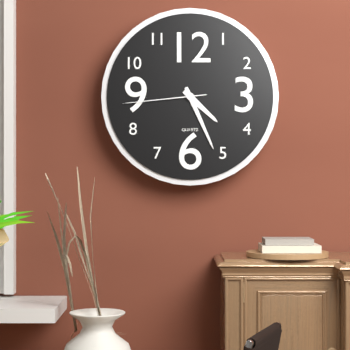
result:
4,26,44
